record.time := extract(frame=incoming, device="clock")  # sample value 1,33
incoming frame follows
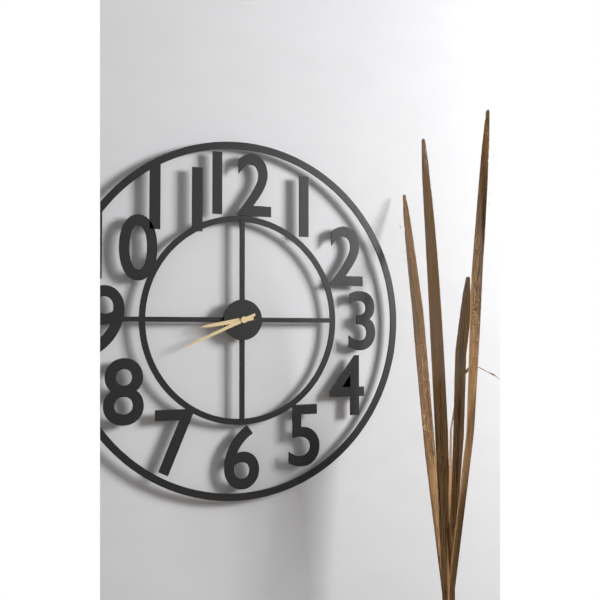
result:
8,41
